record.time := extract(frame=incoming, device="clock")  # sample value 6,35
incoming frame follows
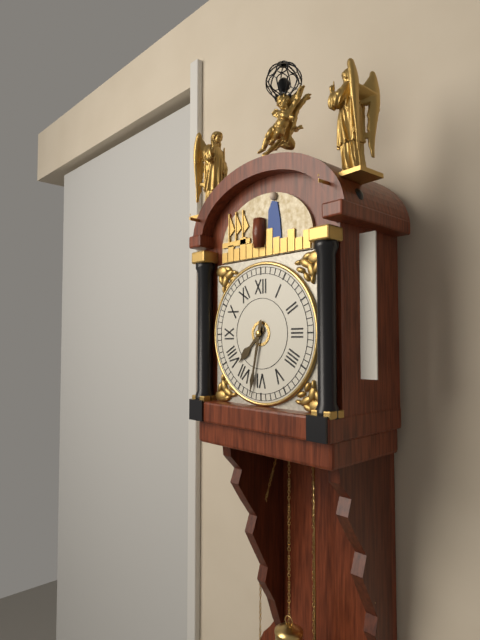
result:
7,32
